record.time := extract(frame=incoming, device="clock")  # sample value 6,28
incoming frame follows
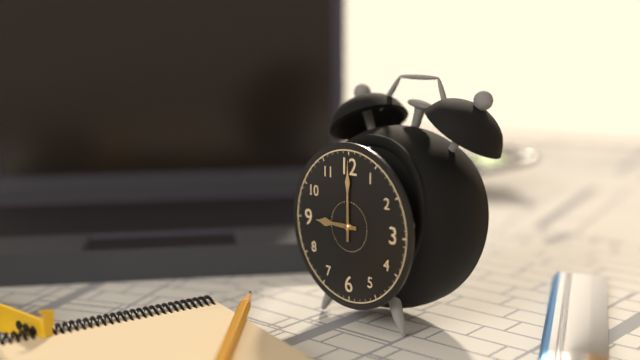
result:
9,00
